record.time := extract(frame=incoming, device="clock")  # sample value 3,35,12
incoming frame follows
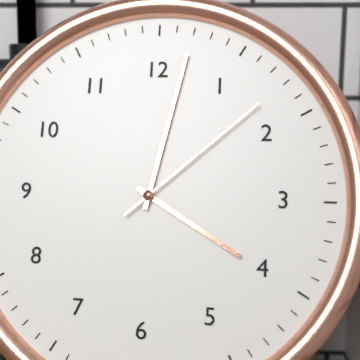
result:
4,02,08
